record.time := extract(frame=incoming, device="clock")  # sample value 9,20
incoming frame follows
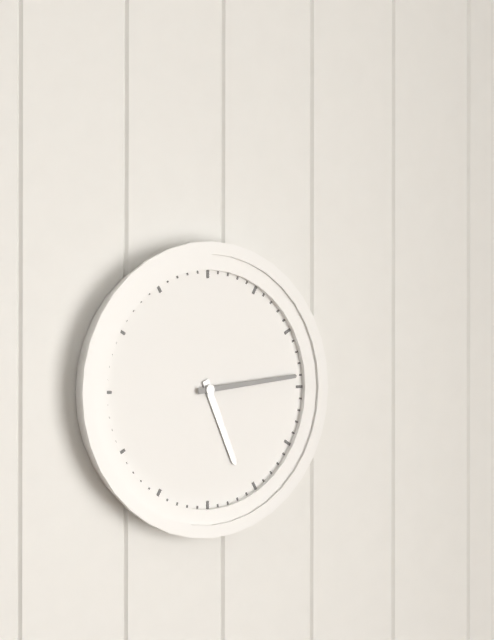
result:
5,14
